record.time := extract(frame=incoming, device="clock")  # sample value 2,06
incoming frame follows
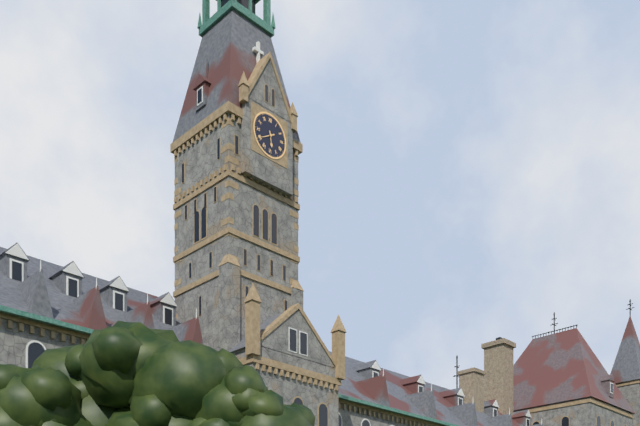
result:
5,40
